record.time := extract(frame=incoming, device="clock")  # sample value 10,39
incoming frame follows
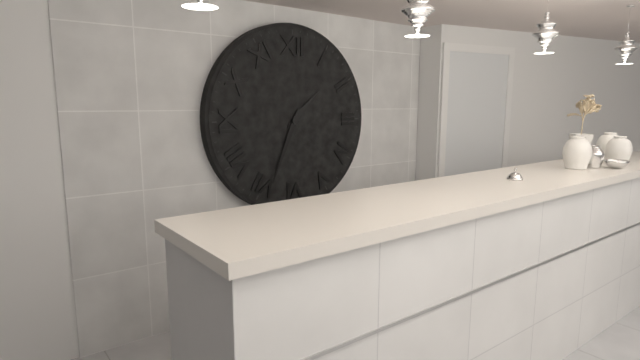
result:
1,34
